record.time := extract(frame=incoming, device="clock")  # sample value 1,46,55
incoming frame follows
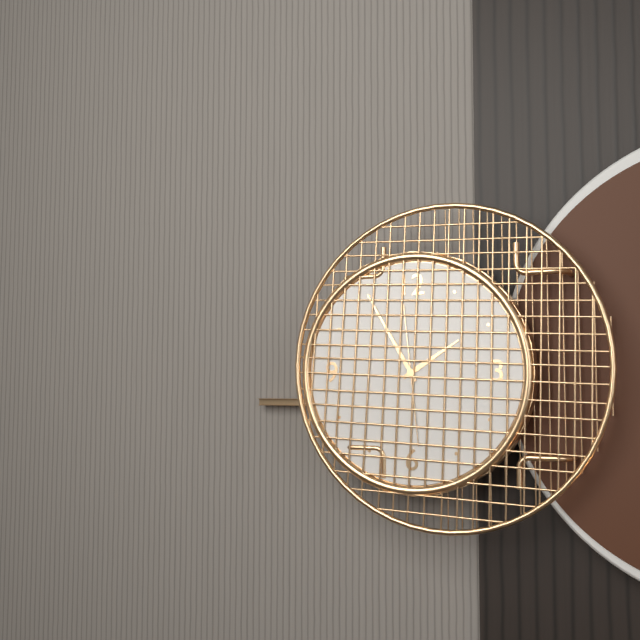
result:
1,55,29
